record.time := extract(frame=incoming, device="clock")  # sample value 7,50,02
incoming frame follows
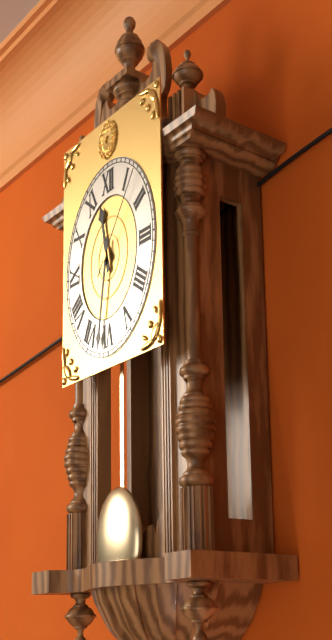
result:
11,32,07
